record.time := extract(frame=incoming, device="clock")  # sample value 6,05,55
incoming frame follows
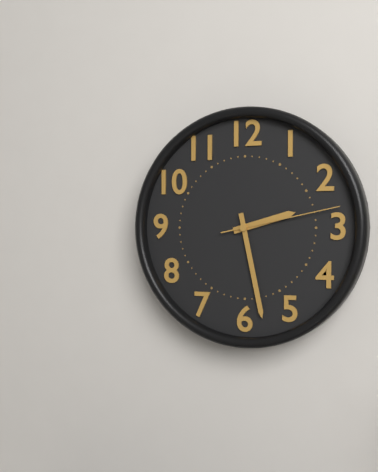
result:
2,28,13
